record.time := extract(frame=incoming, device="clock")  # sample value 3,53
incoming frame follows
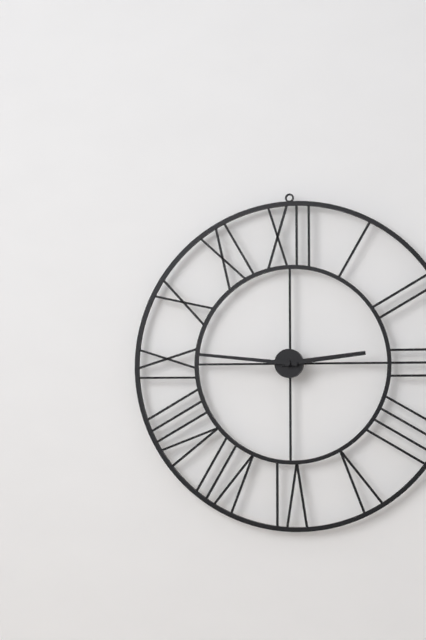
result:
2,46
